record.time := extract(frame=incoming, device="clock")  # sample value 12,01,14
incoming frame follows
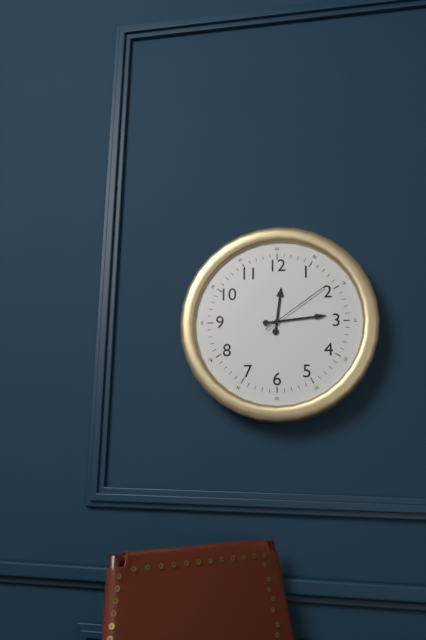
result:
12,14,09
